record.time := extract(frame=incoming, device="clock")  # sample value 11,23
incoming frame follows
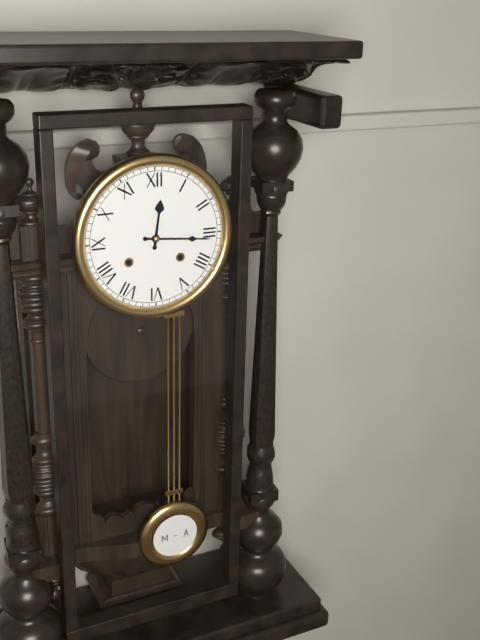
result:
12,16
